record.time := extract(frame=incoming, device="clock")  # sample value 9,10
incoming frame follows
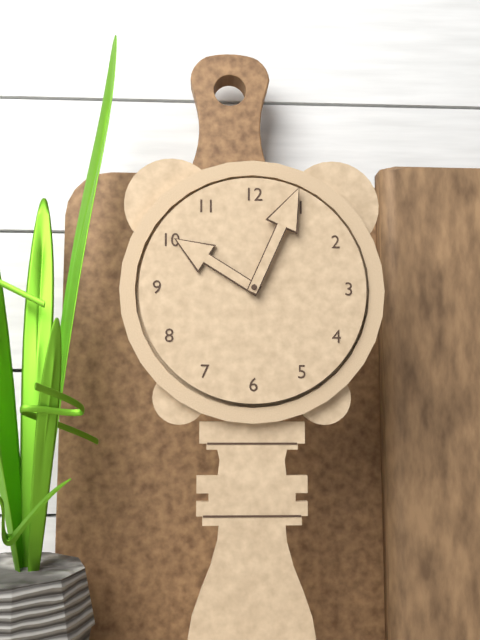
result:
10,04
